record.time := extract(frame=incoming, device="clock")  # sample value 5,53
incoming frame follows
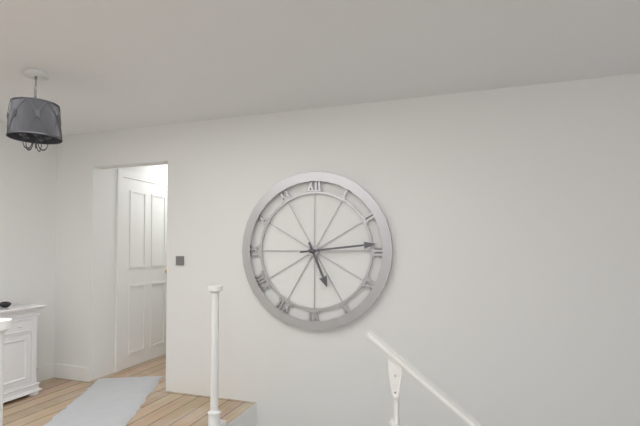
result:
5,14
